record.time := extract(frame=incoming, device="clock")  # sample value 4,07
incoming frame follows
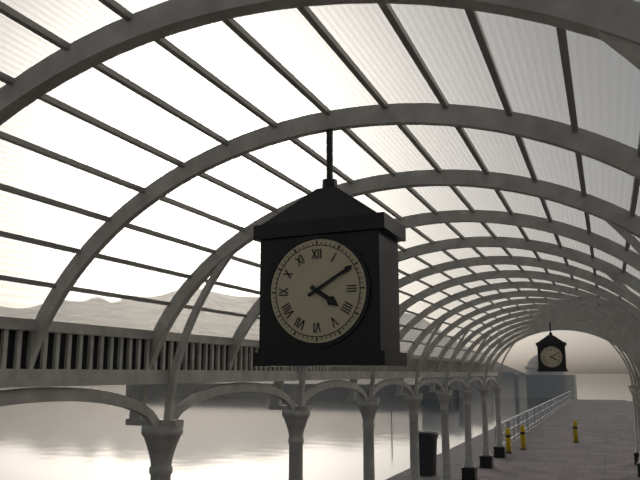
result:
4,10
